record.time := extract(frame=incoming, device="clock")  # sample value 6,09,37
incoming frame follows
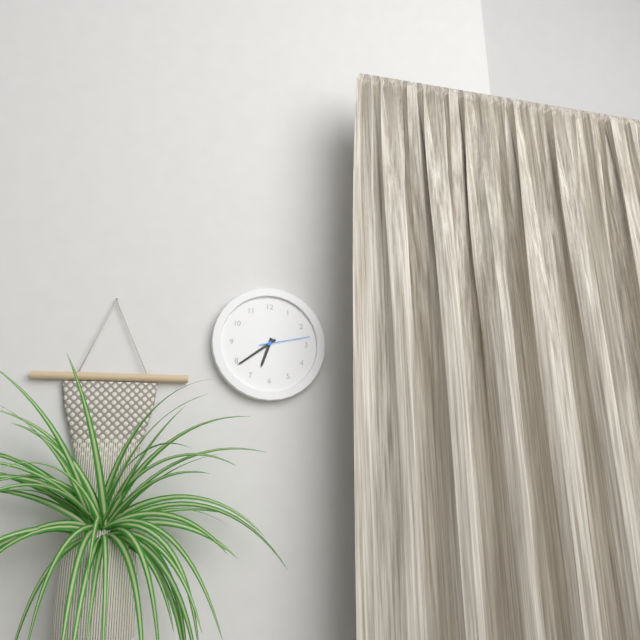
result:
6,39,13
